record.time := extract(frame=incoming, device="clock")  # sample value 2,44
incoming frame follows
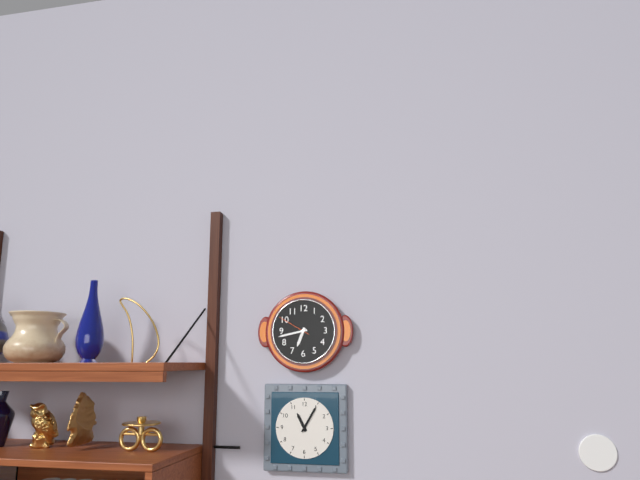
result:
6,43
